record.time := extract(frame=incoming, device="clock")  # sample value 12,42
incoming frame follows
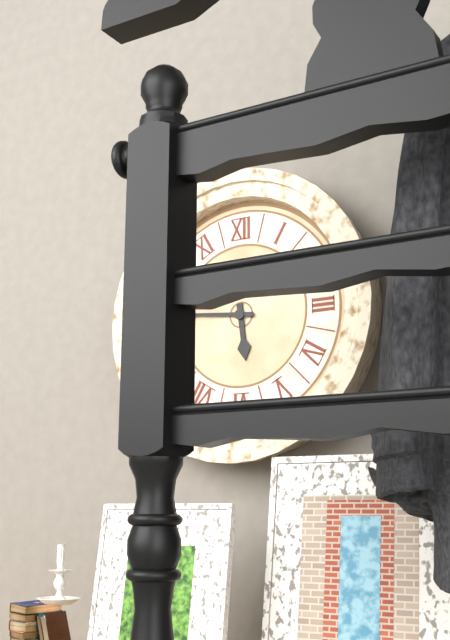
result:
5,46
